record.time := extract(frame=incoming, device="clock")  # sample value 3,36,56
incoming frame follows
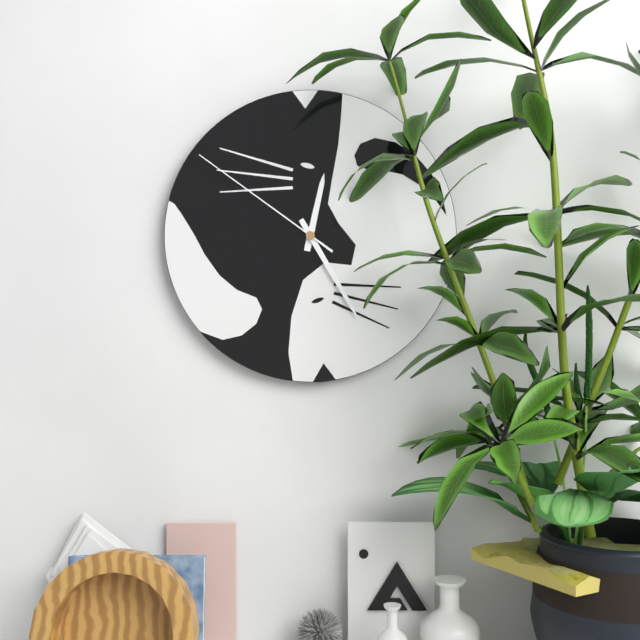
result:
12,25,51
